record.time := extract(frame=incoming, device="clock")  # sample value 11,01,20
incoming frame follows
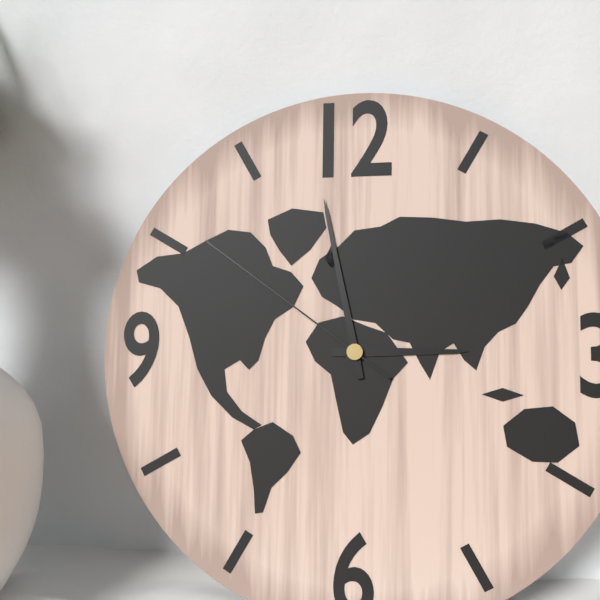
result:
2,58,51
